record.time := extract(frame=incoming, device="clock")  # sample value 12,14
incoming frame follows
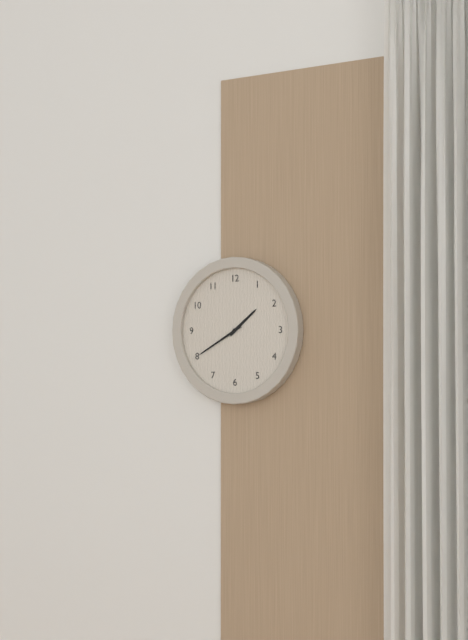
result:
1,40
